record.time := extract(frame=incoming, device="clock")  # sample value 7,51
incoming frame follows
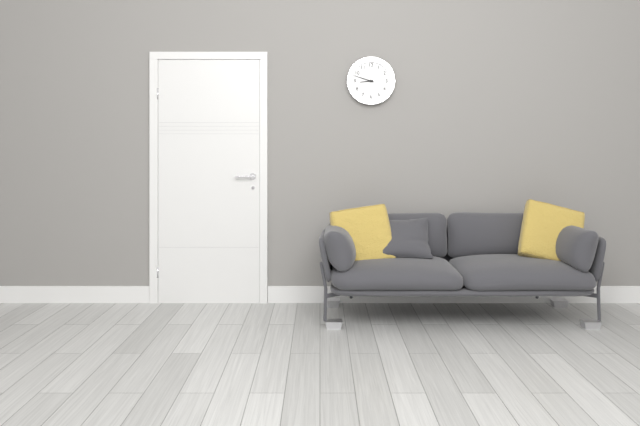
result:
8,48
